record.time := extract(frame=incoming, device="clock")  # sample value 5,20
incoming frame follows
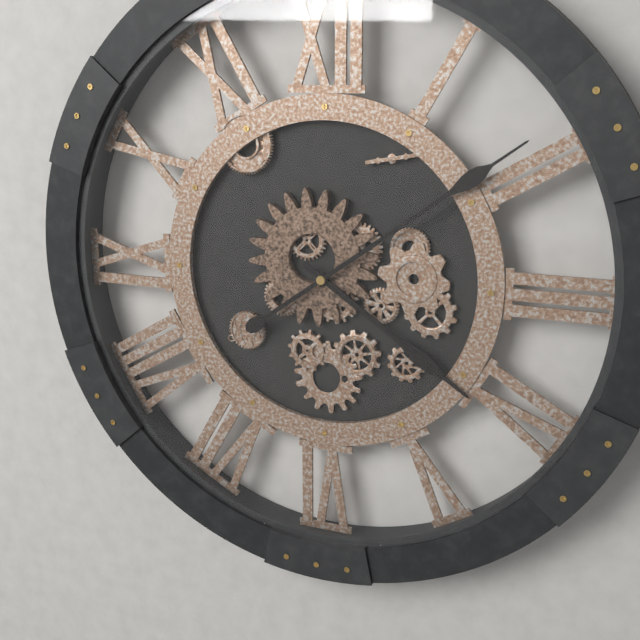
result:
4,09
